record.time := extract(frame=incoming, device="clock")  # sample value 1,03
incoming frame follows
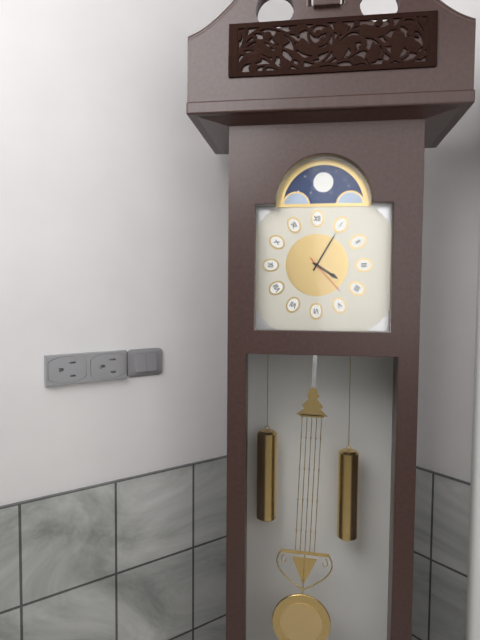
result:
4,05
